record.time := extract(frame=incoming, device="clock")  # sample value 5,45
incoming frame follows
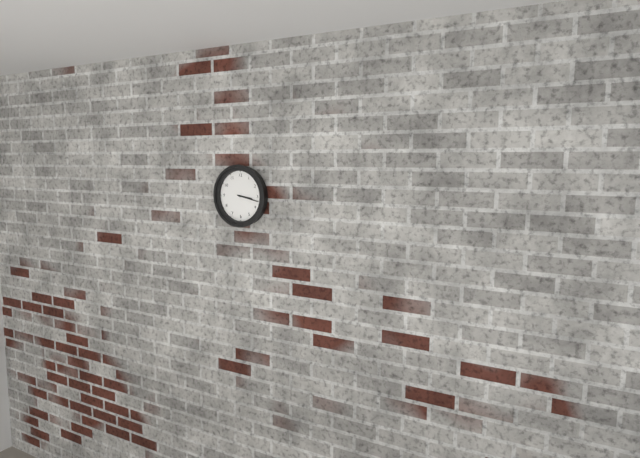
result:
3,17
